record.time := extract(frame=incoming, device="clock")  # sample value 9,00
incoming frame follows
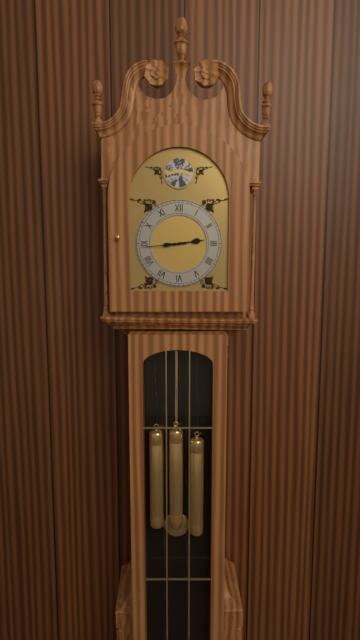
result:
2,44
